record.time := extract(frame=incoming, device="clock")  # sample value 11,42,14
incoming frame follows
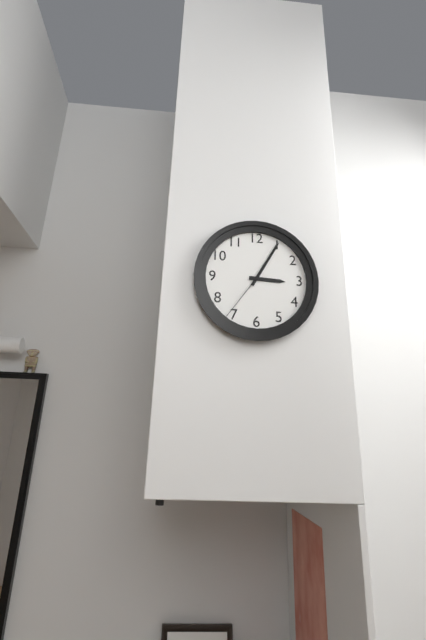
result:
3,05,36
